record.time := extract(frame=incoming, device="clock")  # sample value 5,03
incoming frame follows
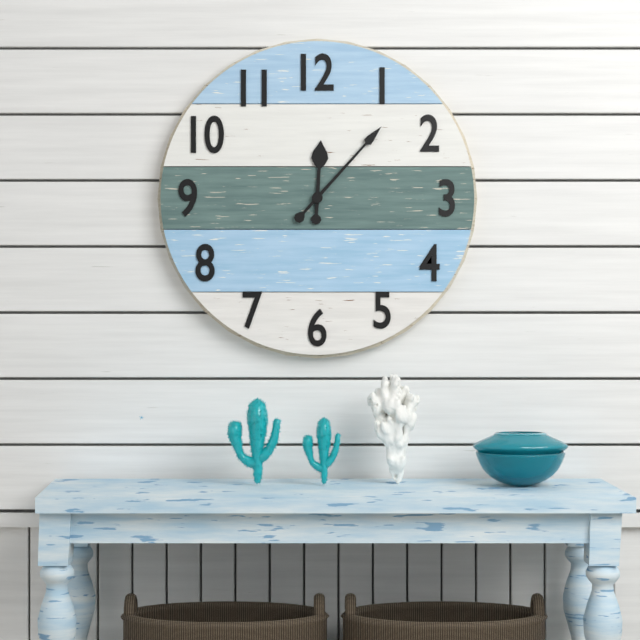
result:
12,07
